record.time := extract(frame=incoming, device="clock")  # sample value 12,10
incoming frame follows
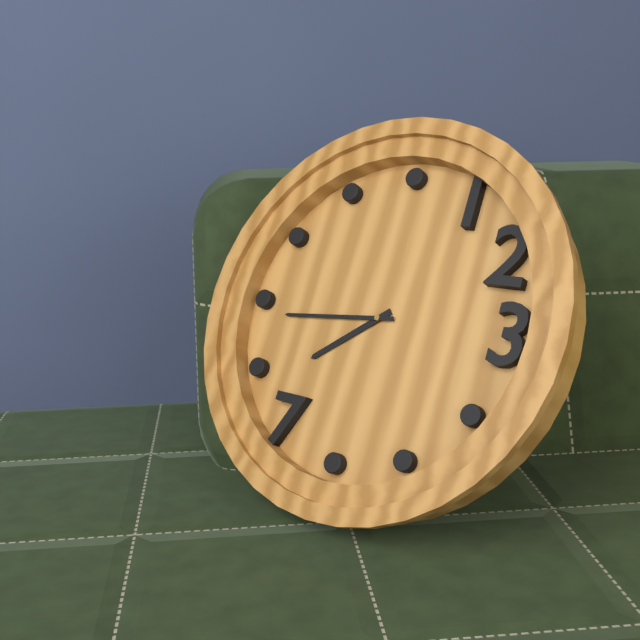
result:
7,44
